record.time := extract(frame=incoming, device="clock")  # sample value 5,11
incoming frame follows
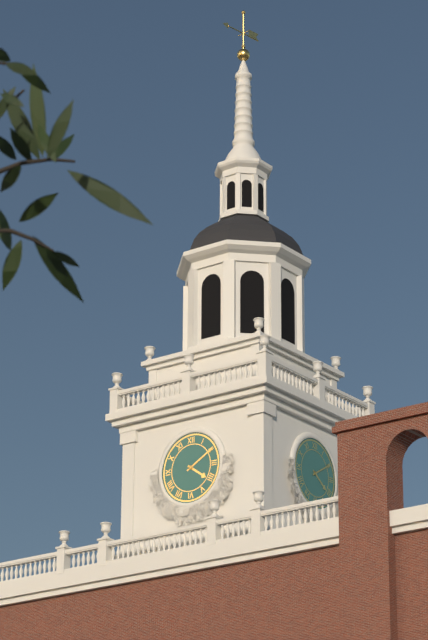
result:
4,10
